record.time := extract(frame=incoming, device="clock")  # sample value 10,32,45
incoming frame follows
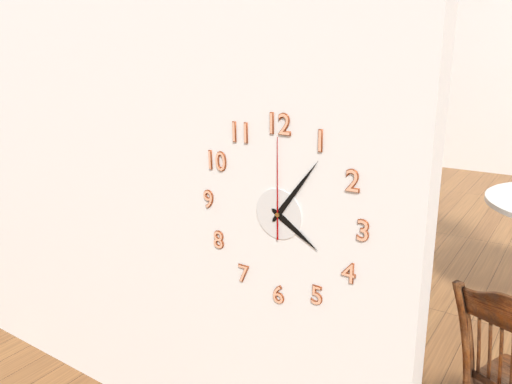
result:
4,06,00
